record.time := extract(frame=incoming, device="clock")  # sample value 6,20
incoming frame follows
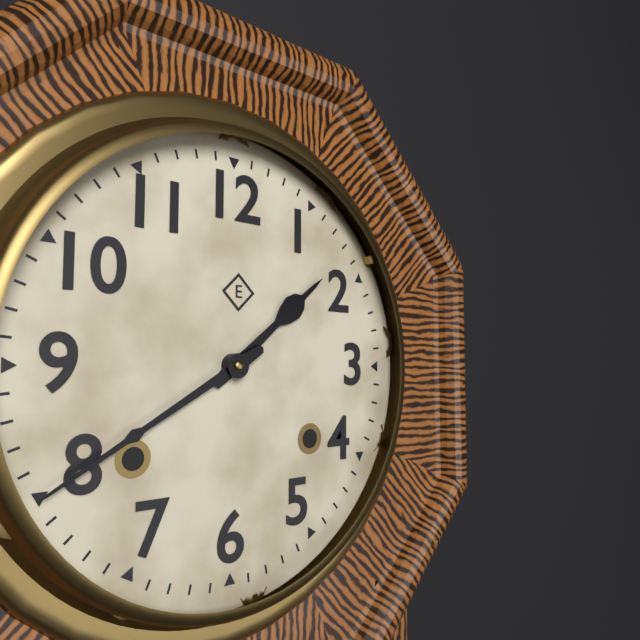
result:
1,40
